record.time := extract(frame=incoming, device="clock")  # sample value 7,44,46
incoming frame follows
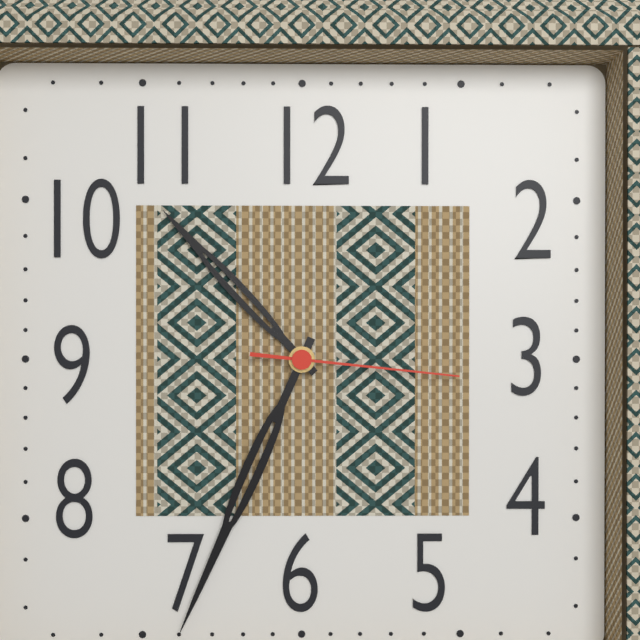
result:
10,34,16
